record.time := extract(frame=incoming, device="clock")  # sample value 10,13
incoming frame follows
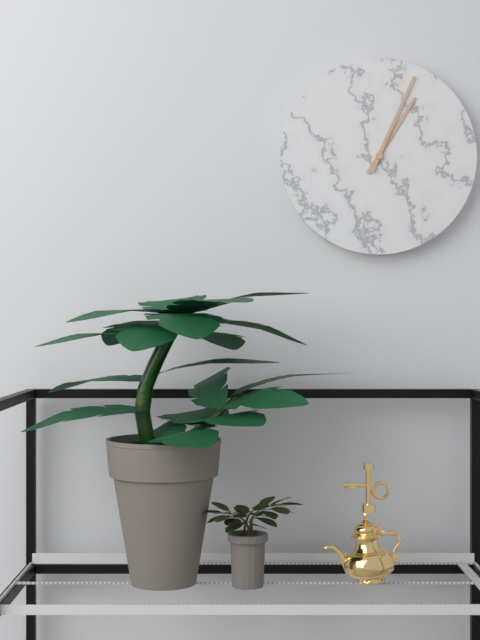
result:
1,04
